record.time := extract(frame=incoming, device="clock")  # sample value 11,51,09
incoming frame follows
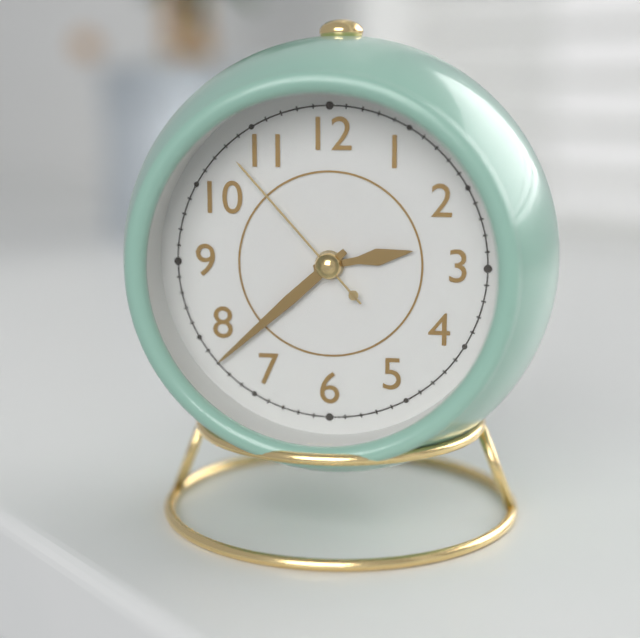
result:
2,38,53
